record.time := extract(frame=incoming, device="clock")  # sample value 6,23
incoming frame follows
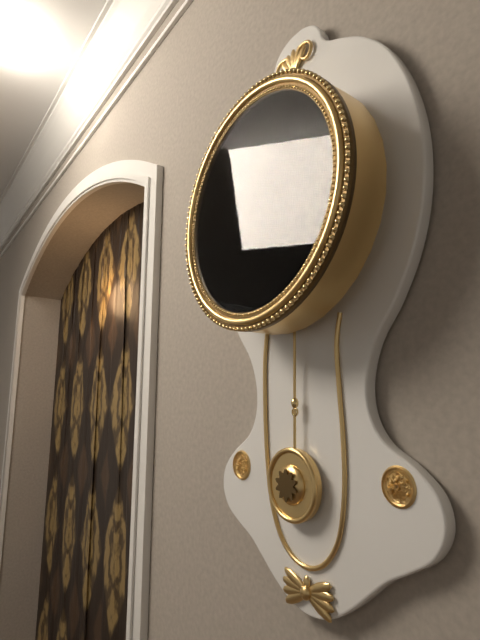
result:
10,27
